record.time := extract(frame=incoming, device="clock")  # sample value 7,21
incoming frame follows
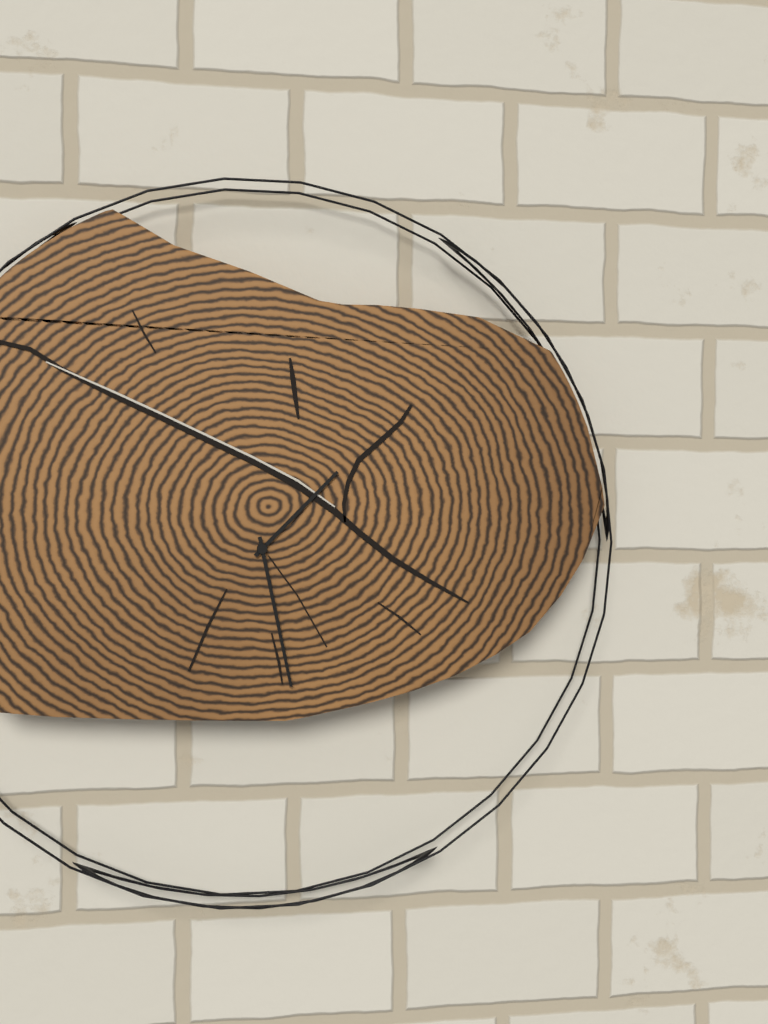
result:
1,28
